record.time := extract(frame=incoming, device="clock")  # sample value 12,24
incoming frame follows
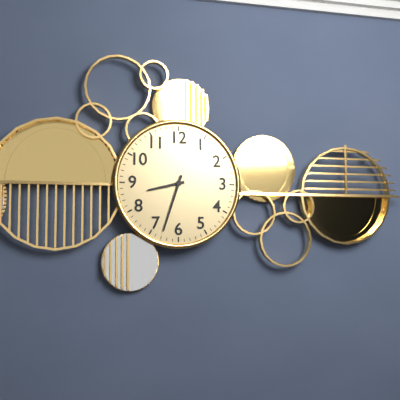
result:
8,33
